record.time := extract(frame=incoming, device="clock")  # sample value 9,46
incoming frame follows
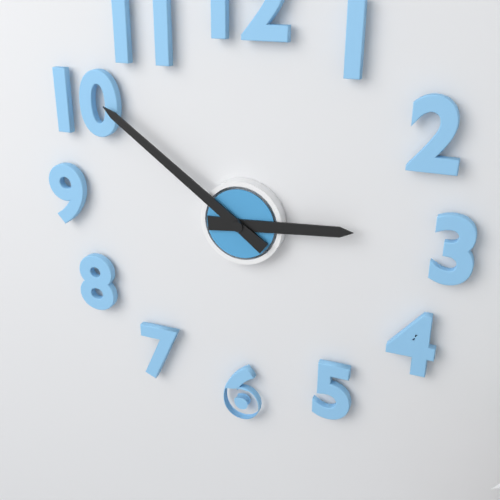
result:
2,51
